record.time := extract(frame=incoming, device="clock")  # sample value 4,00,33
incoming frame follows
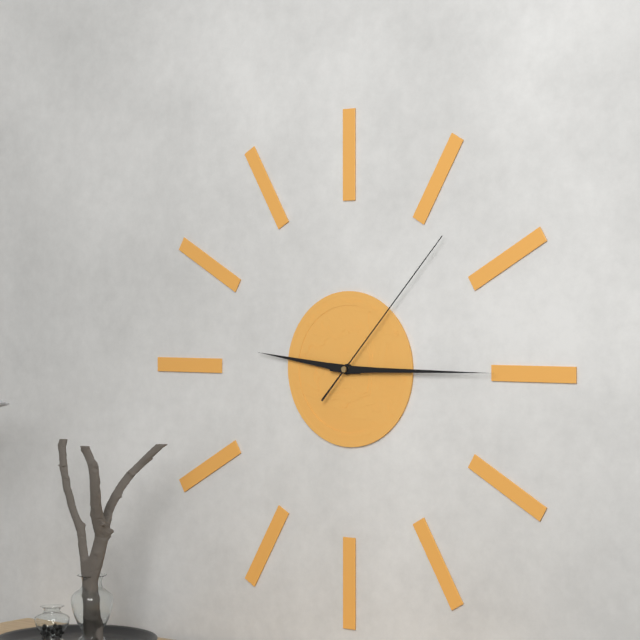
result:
9,15,07
